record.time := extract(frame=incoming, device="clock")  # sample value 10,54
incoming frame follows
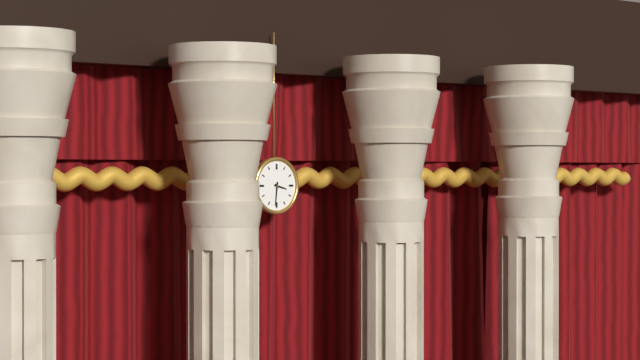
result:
3,31
